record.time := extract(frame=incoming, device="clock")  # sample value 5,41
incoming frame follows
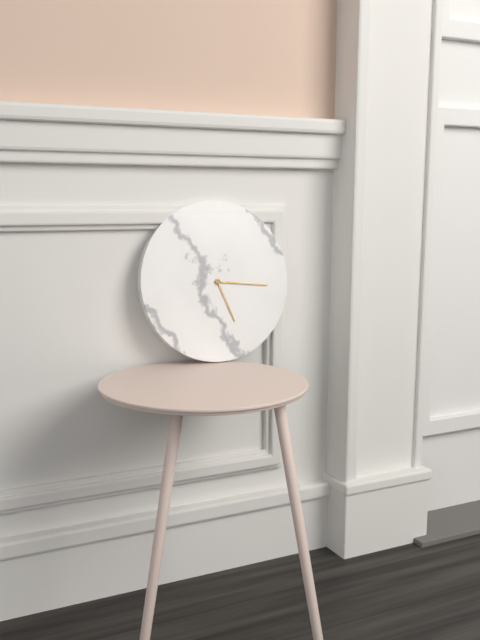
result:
5,16
